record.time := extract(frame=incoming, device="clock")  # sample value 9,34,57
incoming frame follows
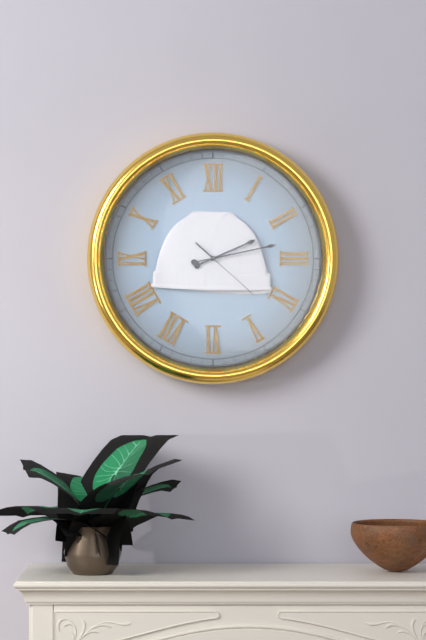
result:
2,13,22
